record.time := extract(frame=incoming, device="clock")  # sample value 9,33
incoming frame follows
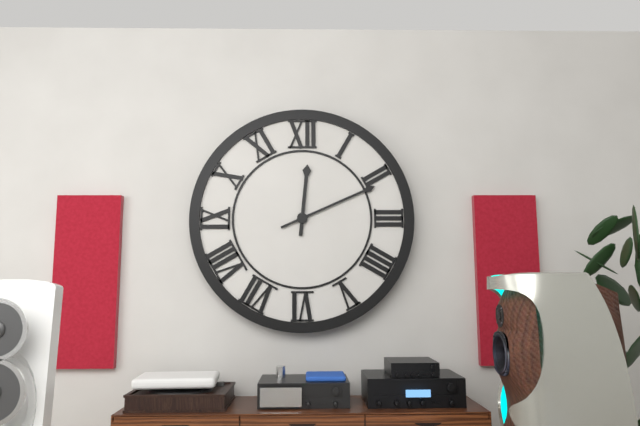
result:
12,11
